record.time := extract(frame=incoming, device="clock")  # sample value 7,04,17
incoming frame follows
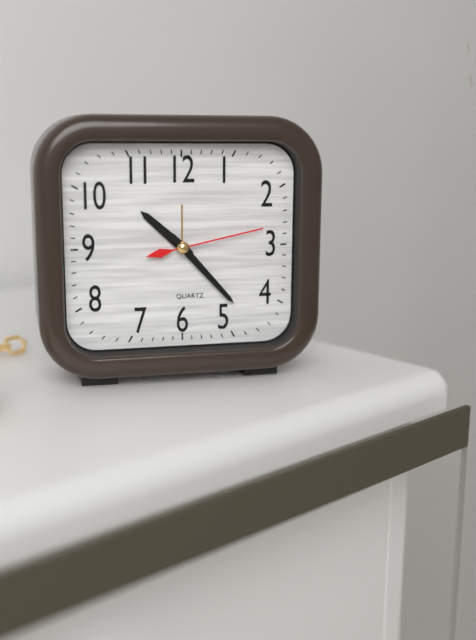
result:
10,23,13
